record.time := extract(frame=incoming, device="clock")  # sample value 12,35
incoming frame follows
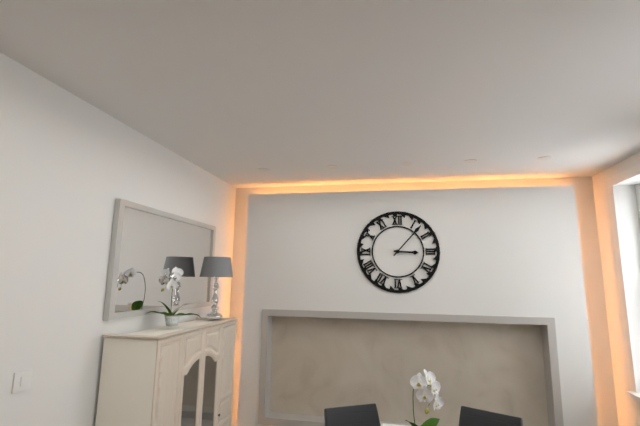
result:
3,07
